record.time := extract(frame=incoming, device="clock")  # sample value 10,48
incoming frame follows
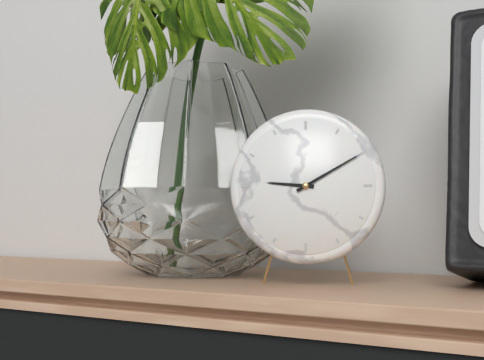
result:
9,10
